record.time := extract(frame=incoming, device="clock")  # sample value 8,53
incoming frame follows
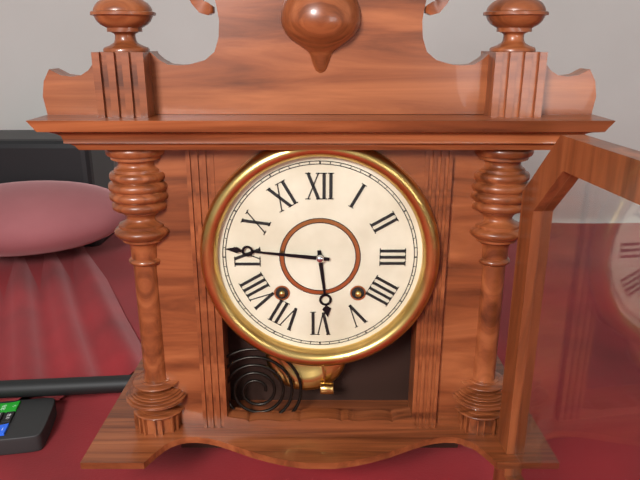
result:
5,46
